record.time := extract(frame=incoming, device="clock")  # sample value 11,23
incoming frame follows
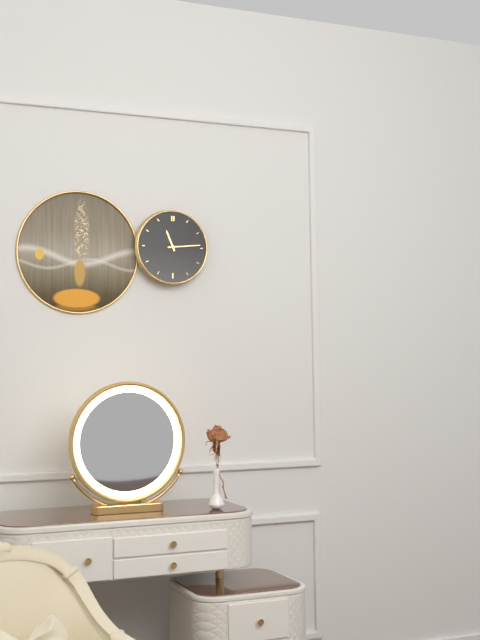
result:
11,14
